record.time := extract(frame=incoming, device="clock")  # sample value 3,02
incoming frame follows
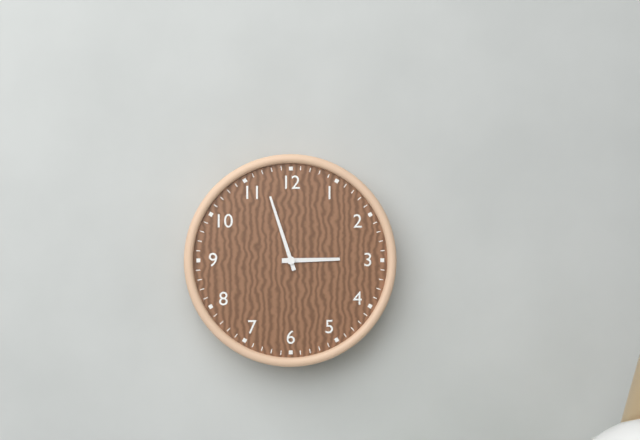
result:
2,57
